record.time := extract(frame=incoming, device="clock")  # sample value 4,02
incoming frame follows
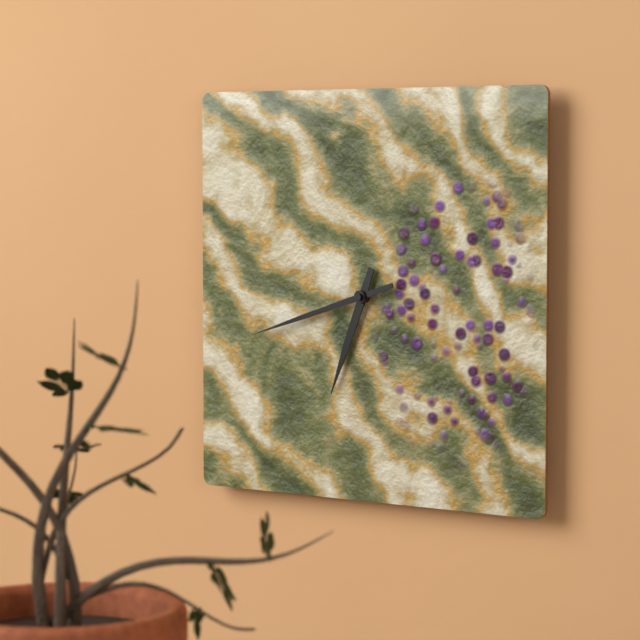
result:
6,42
